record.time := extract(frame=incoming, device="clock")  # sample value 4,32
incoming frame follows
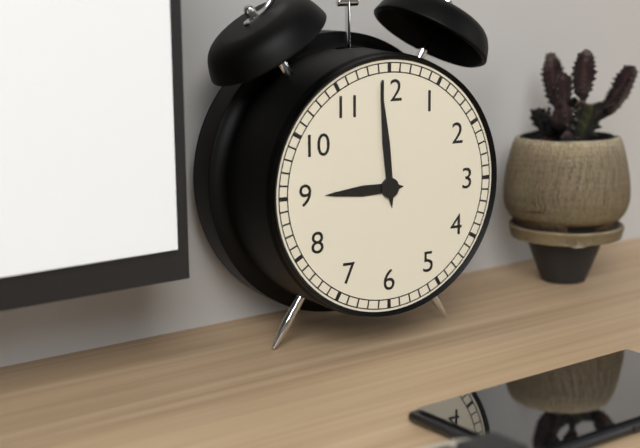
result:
8,59
